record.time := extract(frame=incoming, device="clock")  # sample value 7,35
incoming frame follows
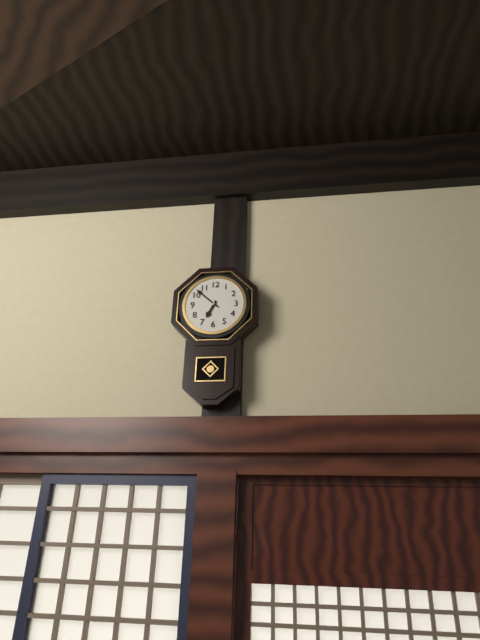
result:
6,52
